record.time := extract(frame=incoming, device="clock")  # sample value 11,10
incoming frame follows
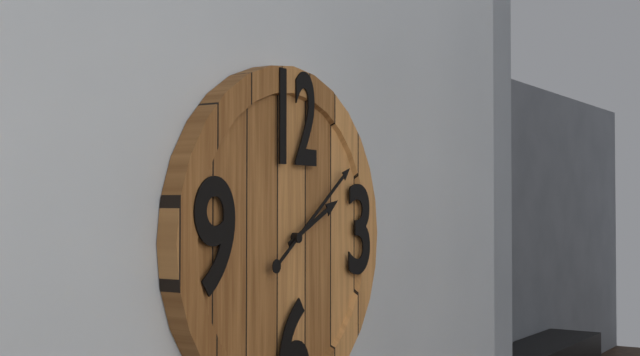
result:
2,09
